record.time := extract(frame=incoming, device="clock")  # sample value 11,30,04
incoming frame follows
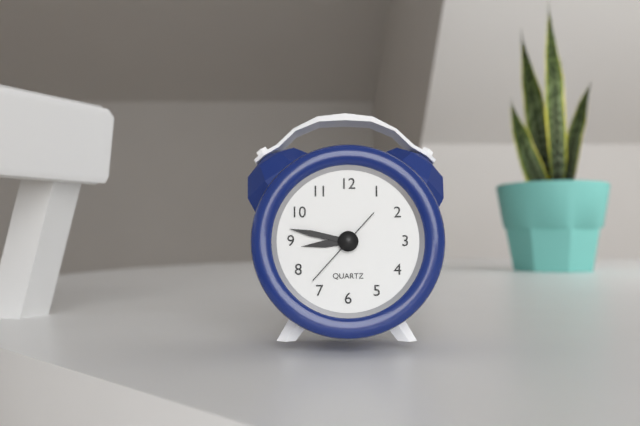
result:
8,47,37
